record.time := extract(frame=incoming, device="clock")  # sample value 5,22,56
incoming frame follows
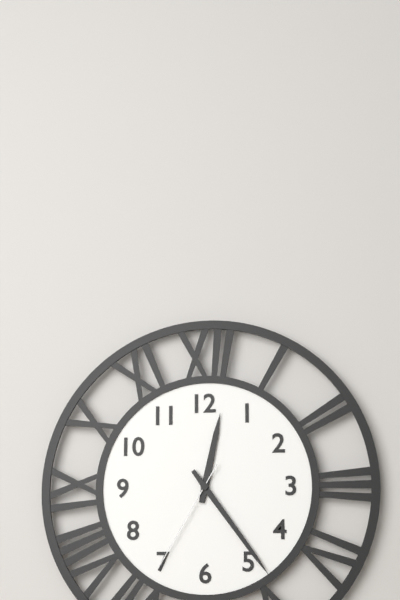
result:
12,24,35
